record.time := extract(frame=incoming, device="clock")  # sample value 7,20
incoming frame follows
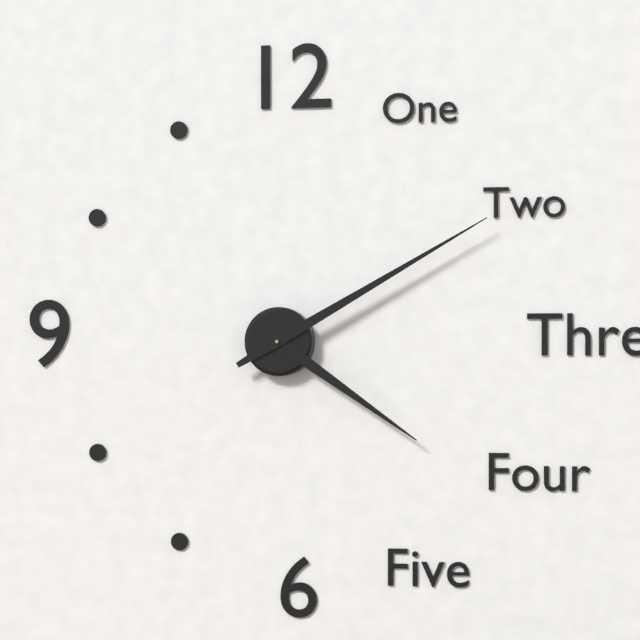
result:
4,10
